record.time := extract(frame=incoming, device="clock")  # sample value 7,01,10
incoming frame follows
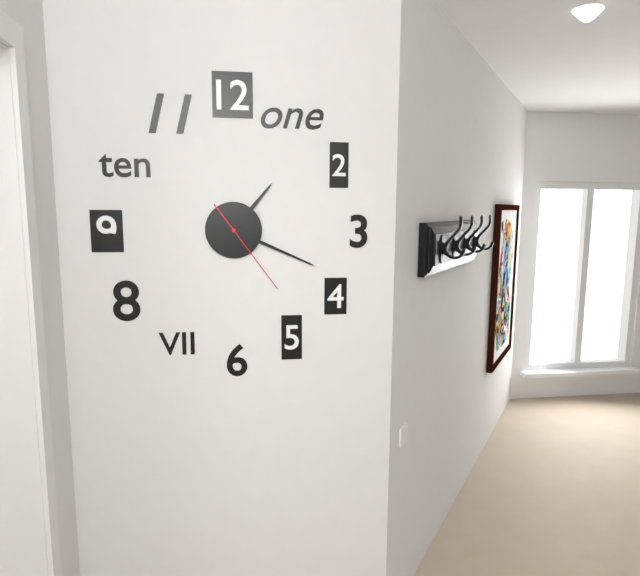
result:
1,19,24
